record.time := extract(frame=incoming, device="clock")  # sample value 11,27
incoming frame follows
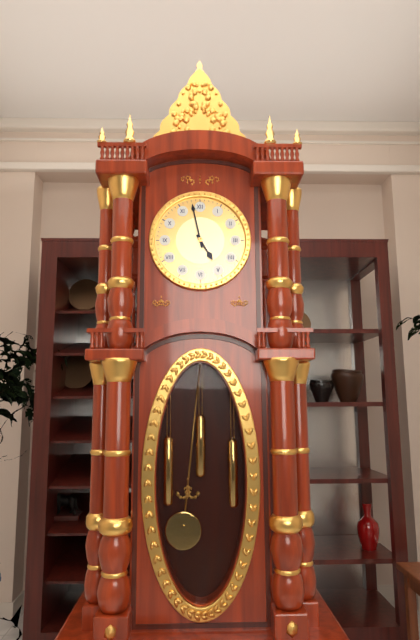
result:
4,58
